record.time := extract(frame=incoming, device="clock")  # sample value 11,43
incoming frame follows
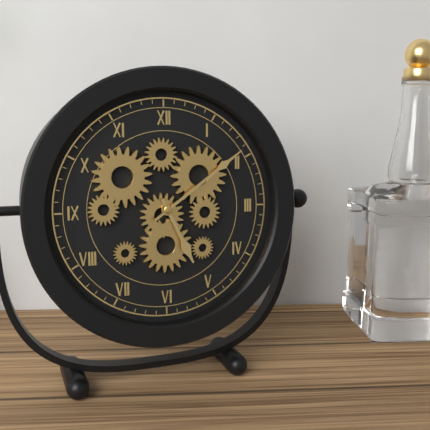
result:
5,09
